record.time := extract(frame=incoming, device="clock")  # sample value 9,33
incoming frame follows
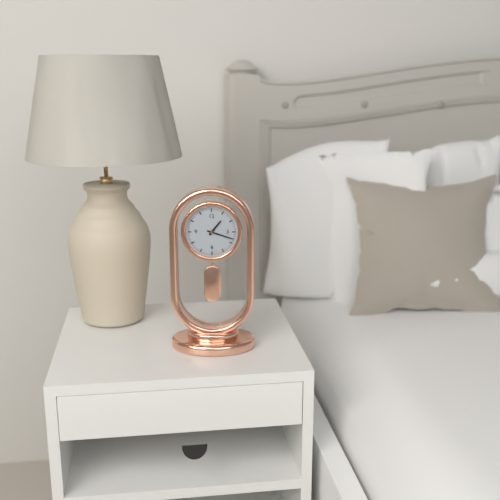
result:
1,18
